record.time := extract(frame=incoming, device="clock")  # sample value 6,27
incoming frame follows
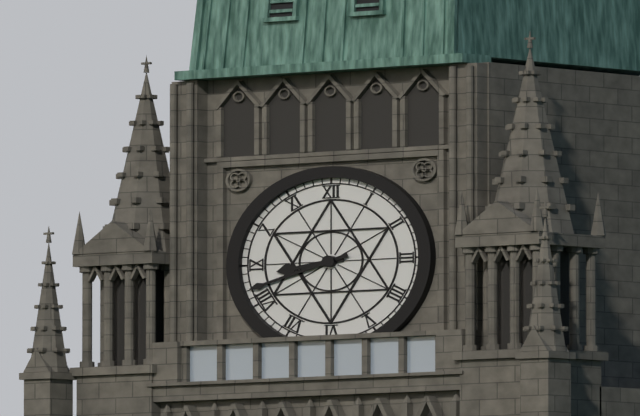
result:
8,42
